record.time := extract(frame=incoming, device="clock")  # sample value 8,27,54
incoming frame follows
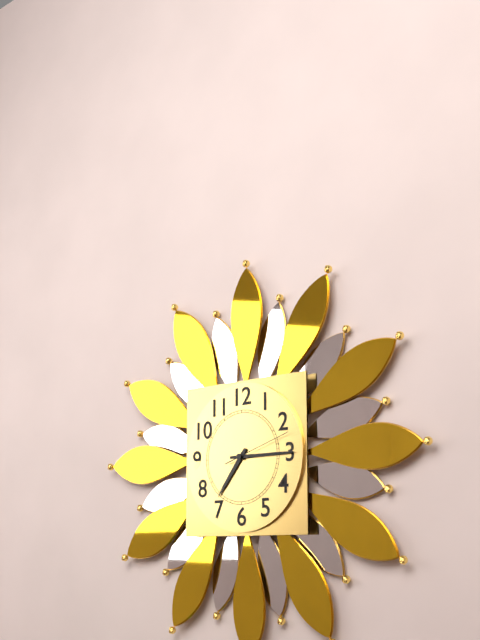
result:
7,15,12
